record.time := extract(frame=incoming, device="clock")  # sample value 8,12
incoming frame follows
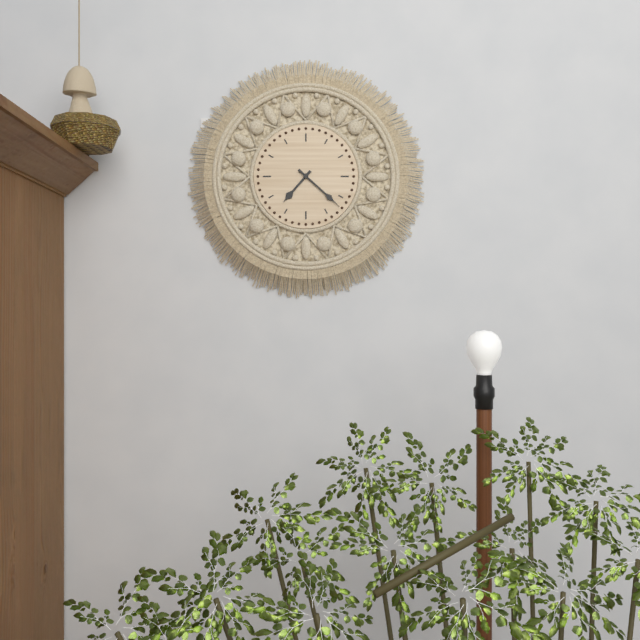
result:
7,22
